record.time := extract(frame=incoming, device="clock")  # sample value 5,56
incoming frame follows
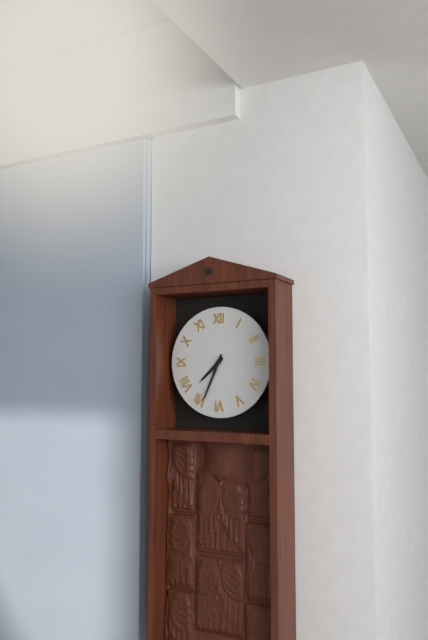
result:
7,34
